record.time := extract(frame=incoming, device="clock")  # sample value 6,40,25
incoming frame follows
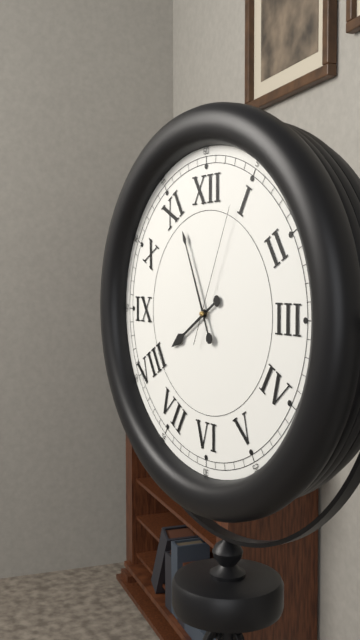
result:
7,56,04
